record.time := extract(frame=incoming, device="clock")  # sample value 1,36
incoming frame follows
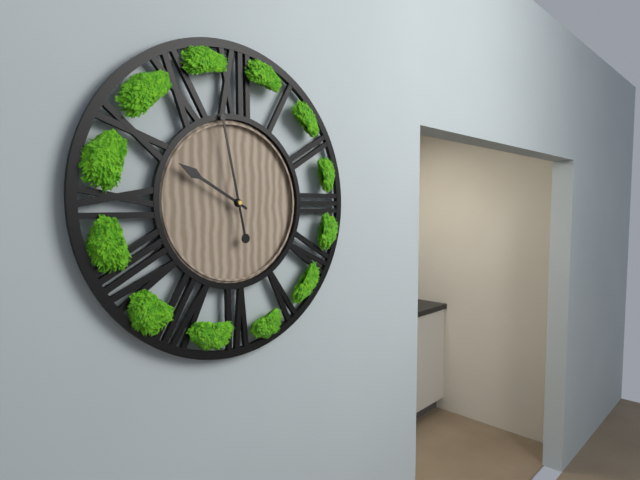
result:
9,58
